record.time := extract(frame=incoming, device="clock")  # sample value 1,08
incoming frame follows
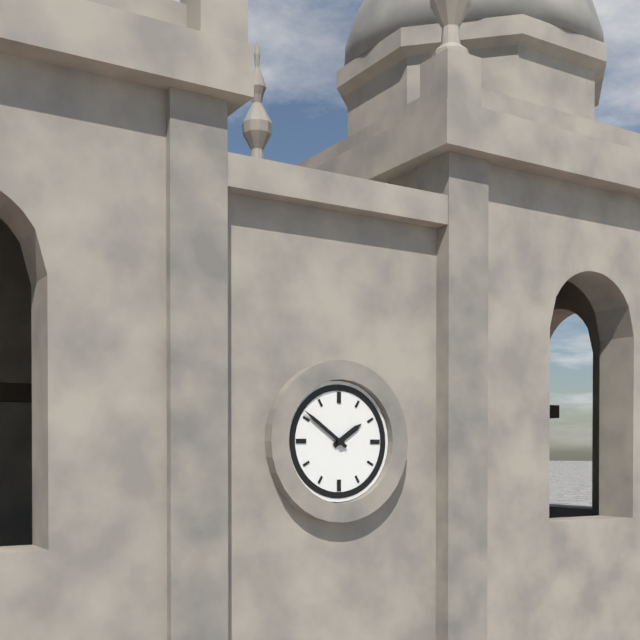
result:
1,51
